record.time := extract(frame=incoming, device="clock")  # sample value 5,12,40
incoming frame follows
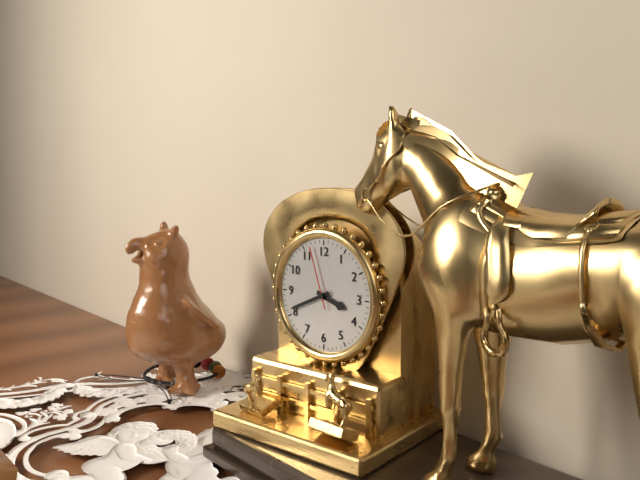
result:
3,41,57
